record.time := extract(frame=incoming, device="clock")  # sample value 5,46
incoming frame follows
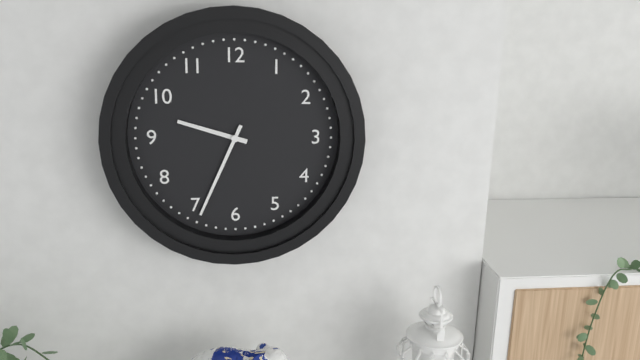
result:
9,34
